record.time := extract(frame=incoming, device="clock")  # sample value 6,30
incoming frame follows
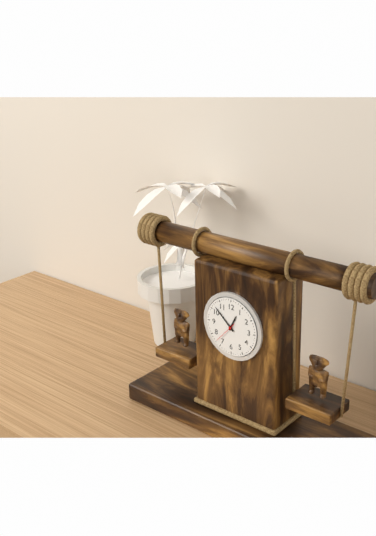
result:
12,52
